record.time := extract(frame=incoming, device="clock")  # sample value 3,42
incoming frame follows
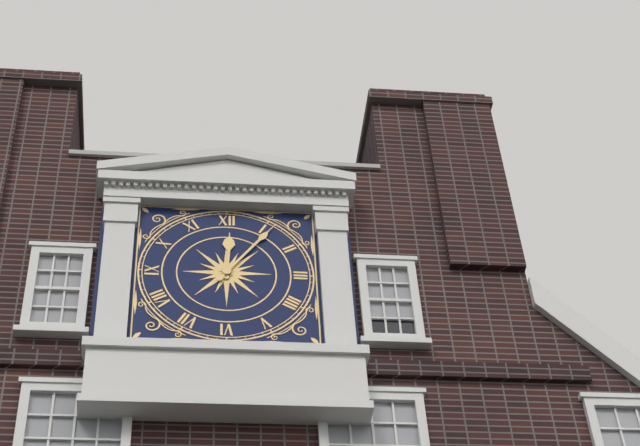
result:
12,06
